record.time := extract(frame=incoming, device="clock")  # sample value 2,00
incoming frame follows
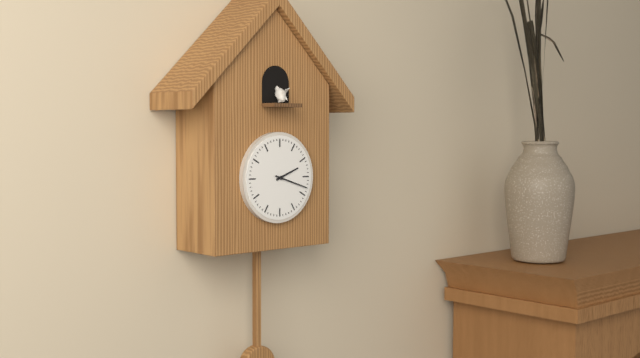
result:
2,18
